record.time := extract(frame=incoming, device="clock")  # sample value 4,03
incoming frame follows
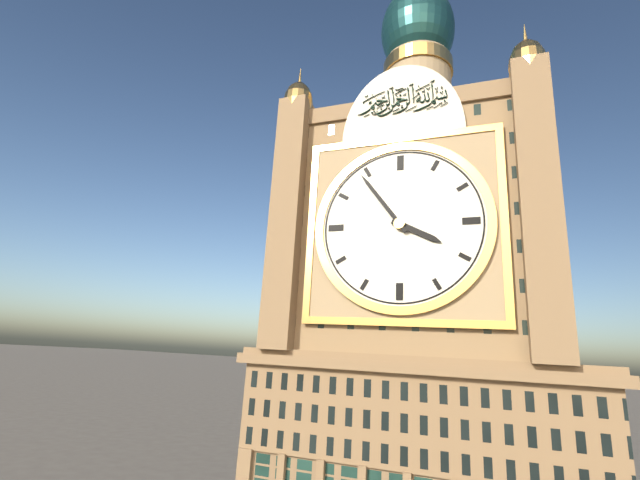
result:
3,54
